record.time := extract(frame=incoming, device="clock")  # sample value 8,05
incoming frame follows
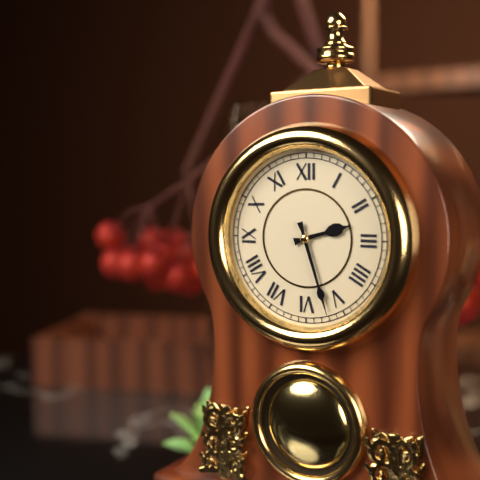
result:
2,27
